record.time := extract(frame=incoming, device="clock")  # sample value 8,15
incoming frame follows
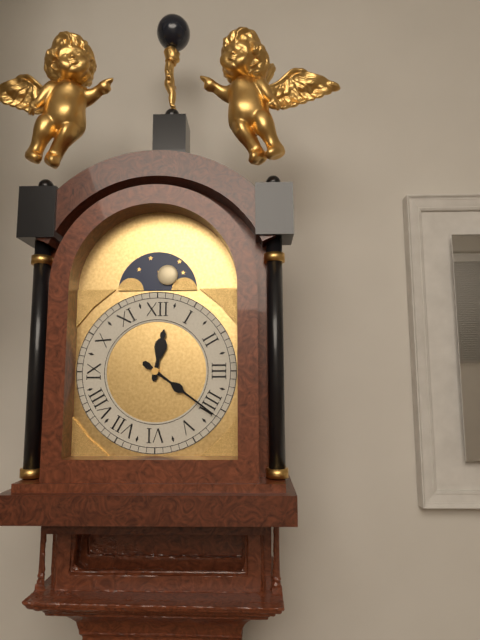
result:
12,21
